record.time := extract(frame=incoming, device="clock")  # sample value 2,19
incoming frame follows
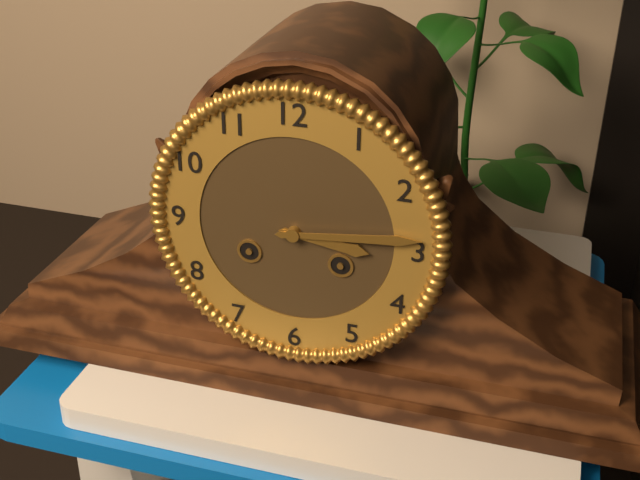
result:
3,14
